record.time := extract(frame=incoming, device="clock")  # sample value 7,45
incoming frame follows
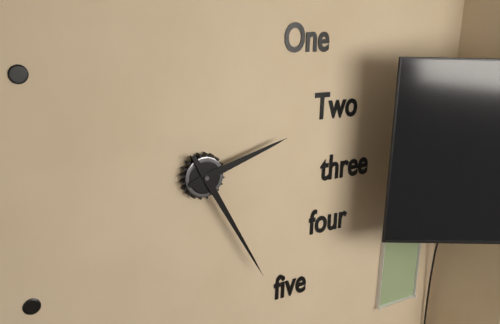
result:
2,25
